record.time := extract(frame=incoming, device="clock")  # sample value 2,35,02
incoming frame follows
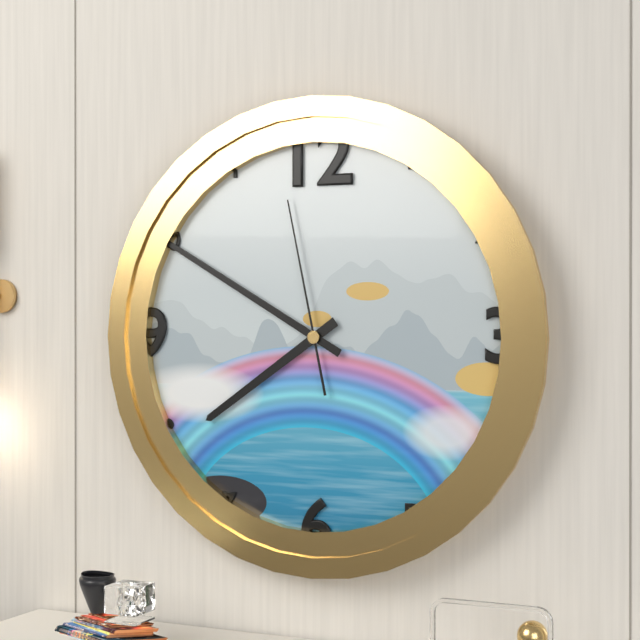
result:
7,50,58
